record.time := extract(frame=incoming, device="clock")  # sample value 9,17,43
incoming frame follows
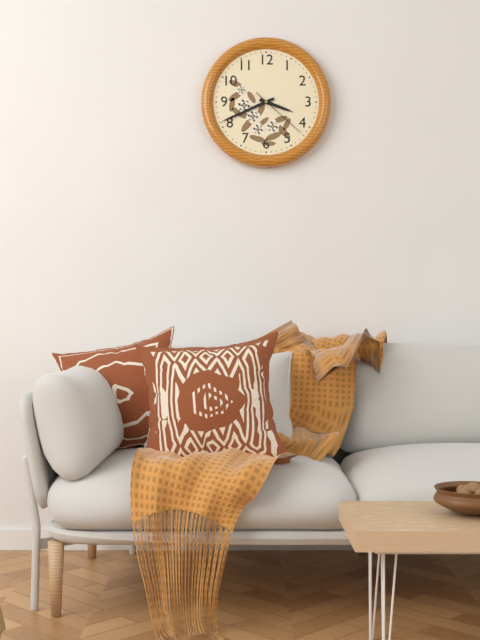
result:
3,41,22
